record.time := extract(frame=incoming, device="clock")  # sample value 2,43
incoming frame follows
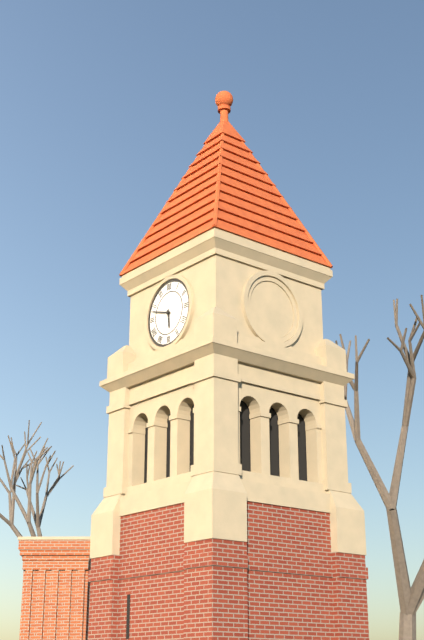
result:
5,48
